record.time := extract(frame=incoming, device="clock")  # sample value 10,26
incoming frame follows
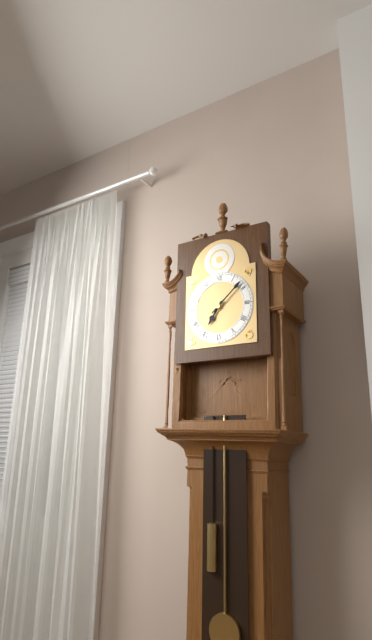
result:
7,08
